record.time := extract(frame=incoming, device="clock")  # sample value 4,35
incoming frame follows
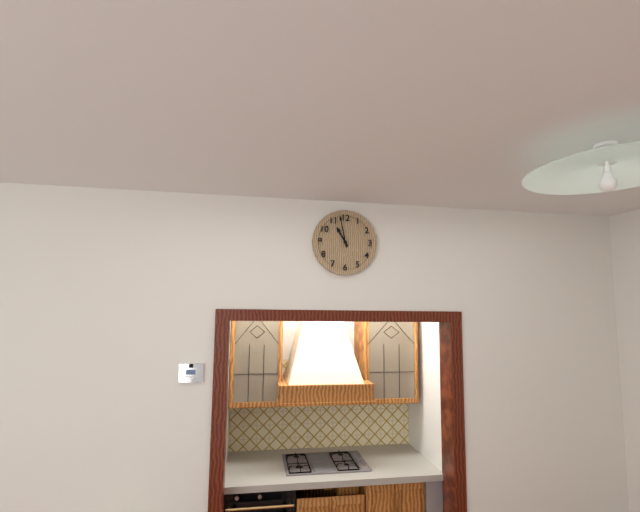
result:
10,58
